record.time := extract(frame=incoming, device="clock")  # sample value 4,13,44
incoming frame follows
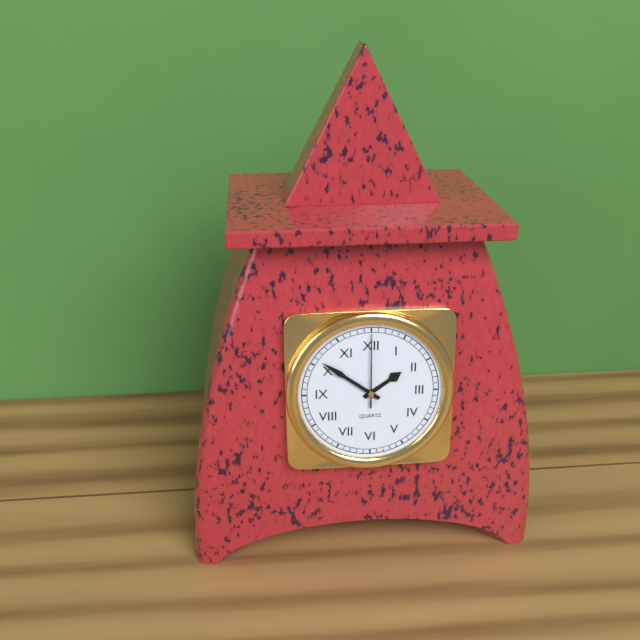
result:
1,51,00
